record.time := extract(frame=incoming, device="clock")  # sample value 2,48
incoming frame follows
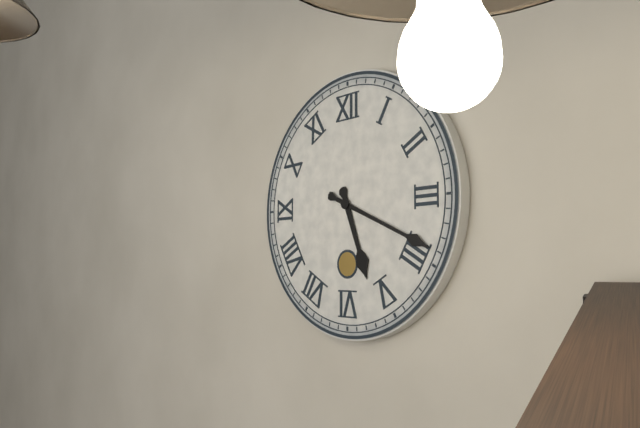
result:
5,19
